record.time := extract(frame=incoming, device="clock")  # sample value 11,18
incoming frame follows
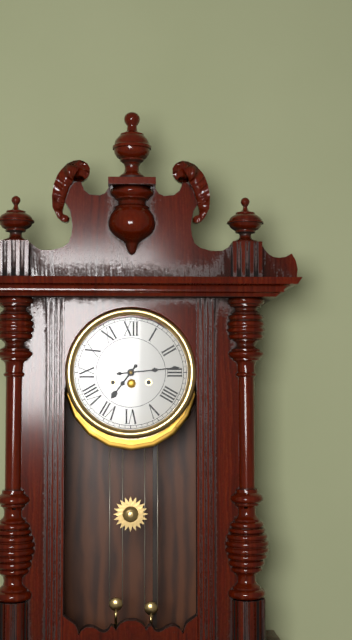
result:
7,14
